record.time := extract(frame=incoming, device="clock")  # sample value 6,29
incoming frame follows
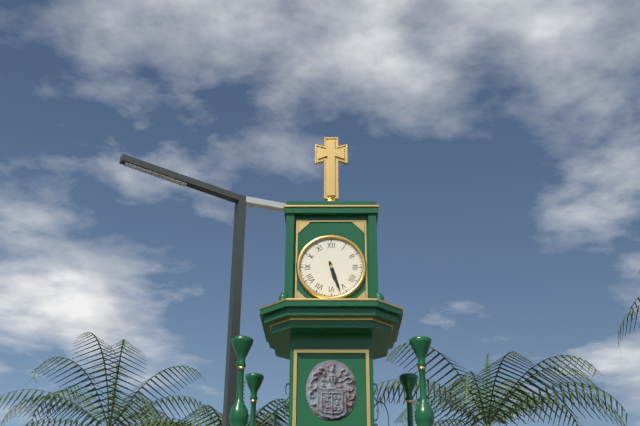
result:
5,27
